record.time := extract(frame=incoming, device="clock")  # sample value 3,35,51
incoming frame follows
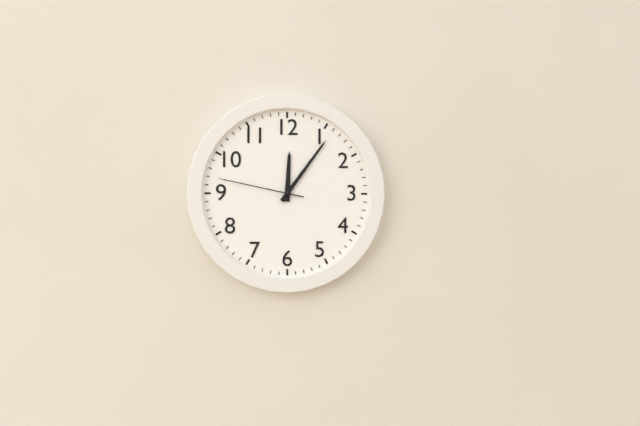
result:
12,06,47
